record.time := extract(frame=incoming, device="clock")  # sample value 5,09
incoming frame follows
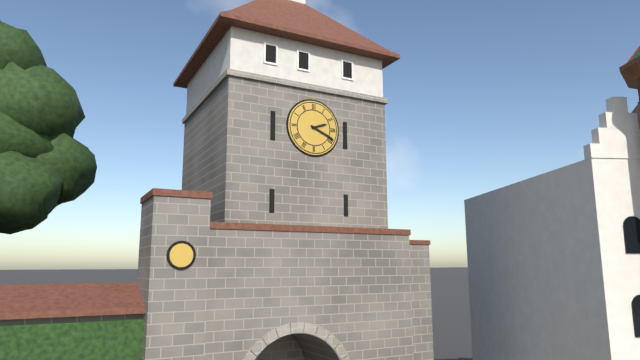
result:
2,19
